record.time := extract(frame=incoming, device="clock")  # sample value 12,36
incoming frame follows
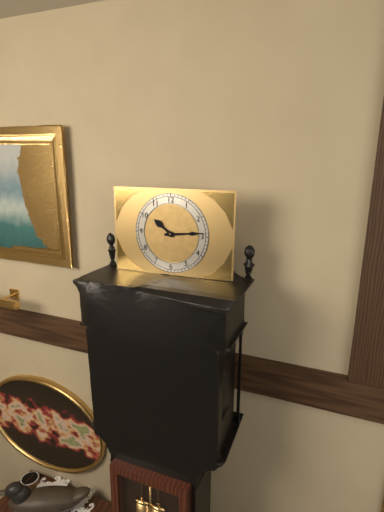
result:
10,14
